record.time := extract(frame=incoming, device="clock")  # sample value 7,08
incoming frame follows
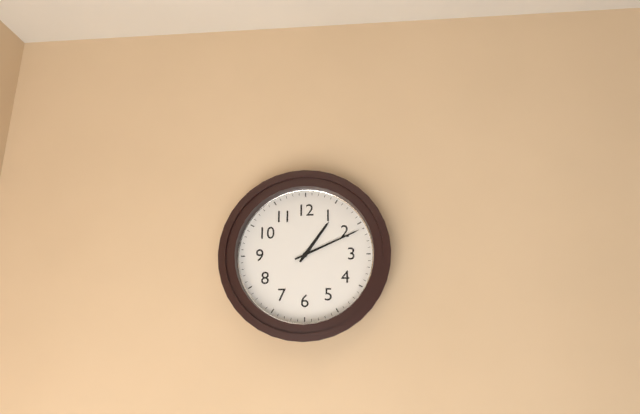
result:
1,11
